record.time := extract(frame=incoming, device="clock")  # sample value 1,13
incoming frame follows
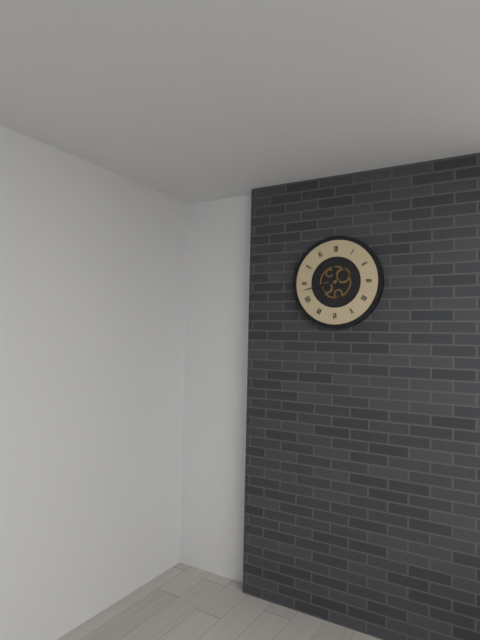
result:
11,43
